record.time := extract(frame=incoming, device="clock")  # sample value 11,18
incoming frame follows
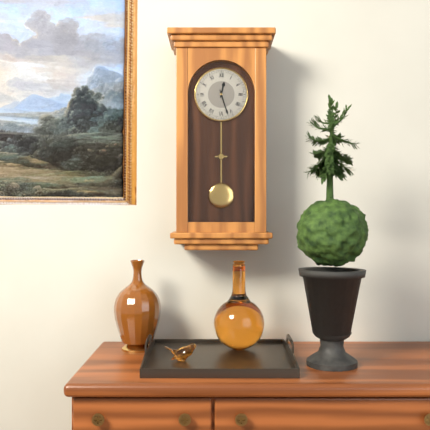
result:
12,27
